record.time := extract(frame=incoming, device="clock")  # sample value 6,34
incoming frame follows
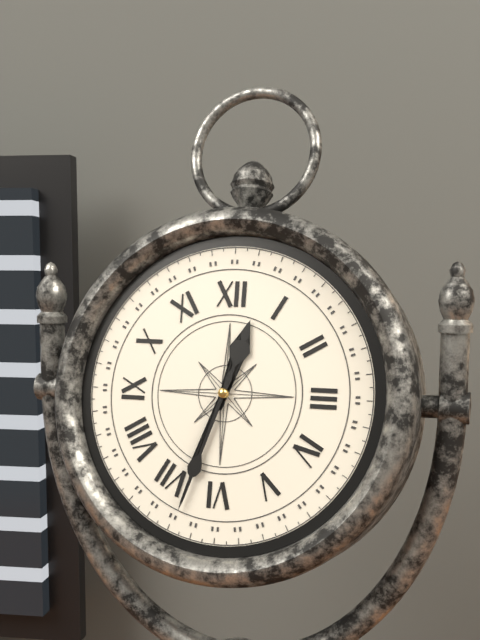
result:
12,33
